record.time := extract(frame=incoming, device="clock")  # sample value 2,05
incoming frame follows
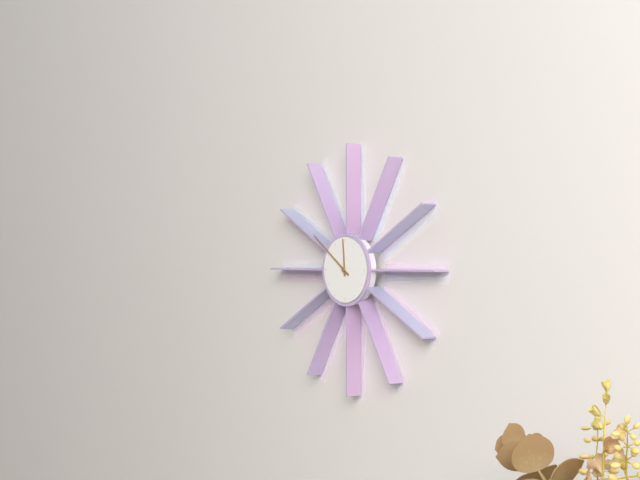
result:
11,51
